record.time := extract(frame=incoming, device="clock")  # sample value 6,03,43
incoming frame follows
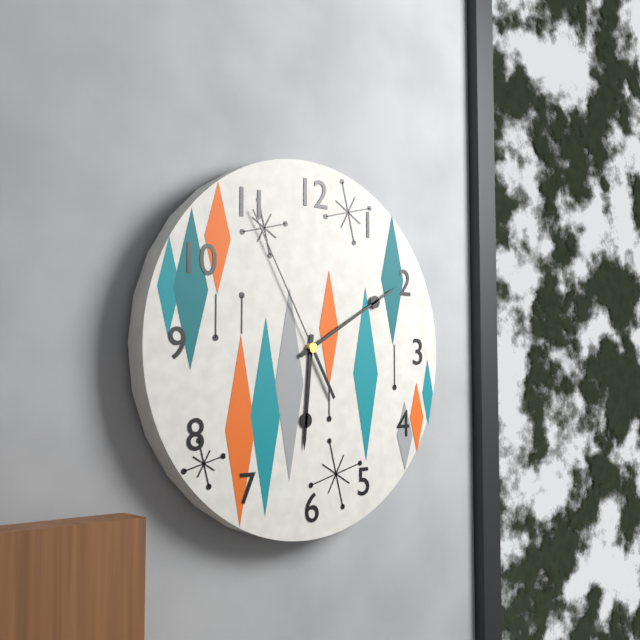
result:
6,10,55
